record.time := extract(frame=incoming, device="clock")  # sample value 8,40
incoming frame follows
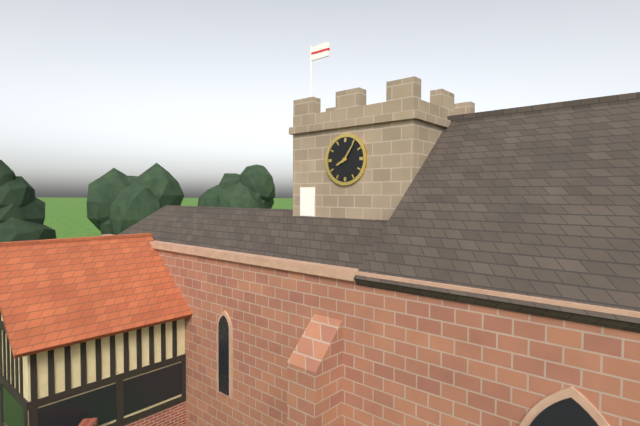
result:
8,06
